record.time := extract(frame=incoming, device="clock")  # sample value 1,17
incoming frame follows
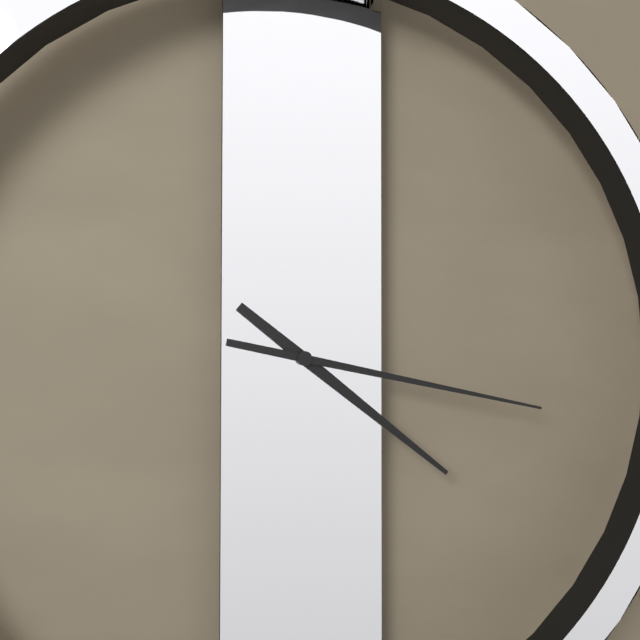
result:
4,17
